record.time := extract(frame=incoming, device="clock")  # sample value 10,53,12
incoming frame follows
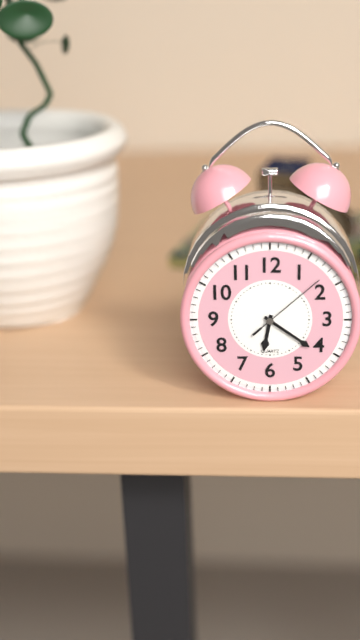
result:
6,21,08
